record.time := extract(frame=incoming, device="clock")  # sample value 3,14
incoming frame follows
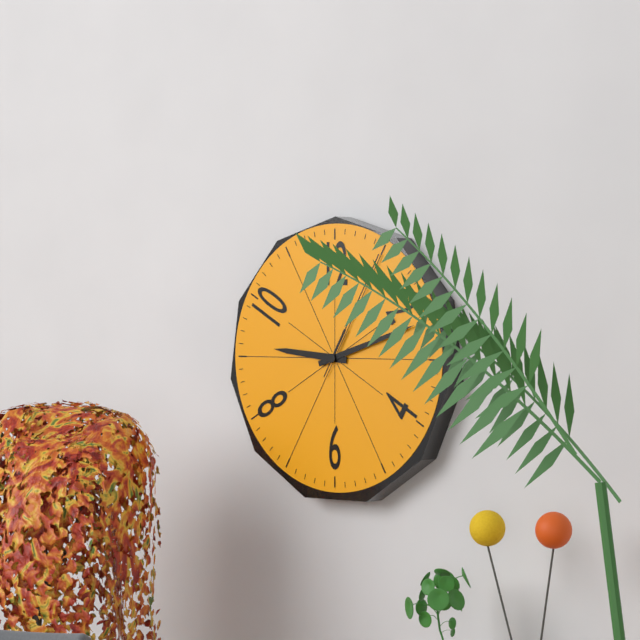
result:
9,12
